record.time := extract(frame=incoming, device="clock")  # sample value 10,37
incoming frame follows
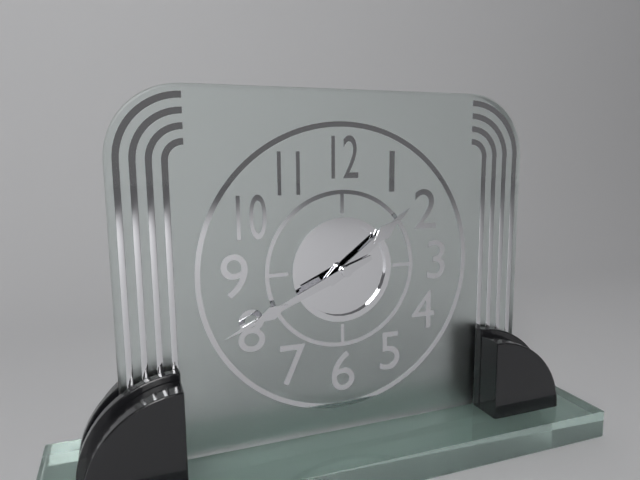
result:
1,41
